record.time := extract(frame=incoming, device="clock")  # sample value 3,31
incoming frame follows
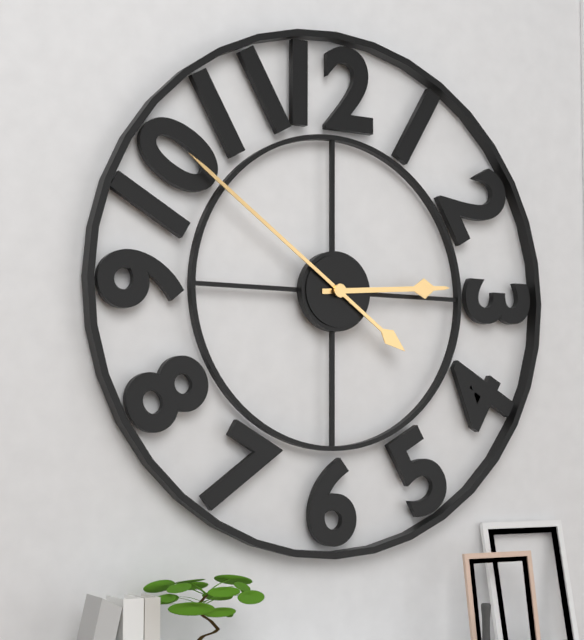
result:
2,51
